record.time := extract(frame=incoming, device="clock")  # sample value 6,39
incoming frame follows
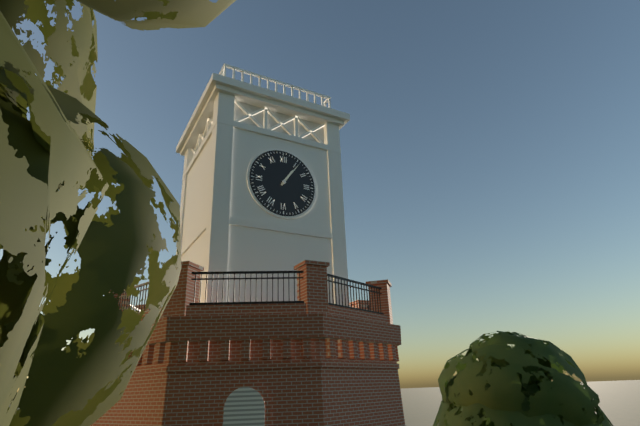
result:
1,06
